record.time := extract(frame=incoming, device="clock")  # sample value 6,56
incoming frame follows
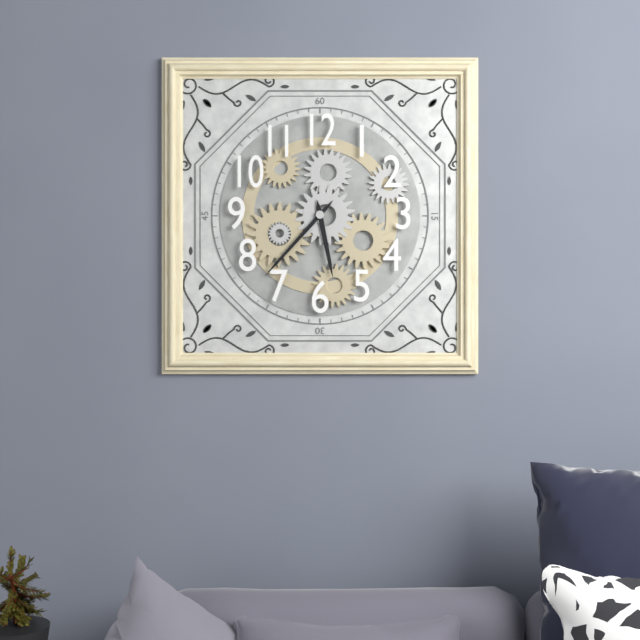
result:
5,37
